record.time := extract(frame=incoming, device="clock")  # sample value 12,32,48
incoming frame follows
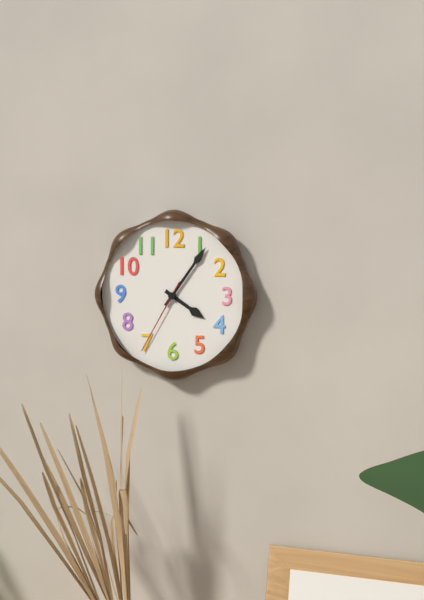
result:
4,06,35
